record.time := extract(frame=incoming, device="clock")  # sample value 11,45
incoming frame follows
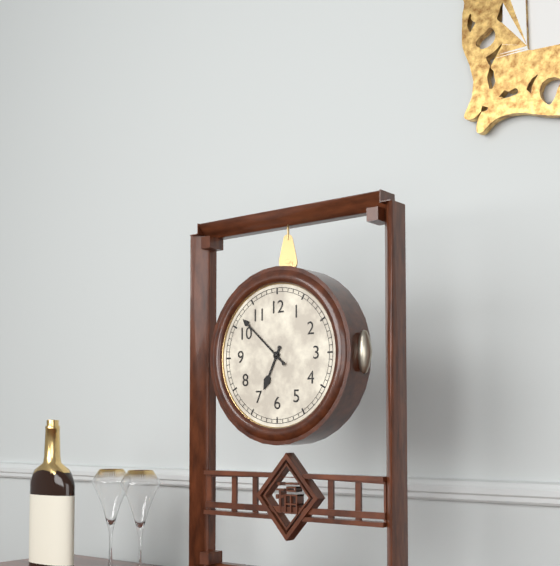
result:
6,52
